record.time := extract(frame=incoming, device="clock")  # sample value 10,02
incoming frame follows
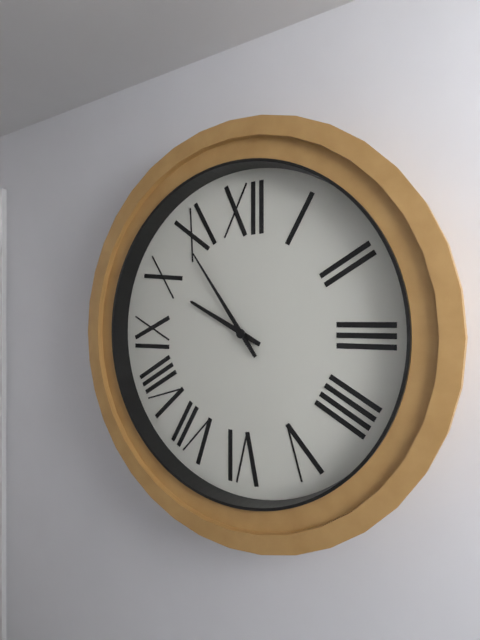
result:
9,54
